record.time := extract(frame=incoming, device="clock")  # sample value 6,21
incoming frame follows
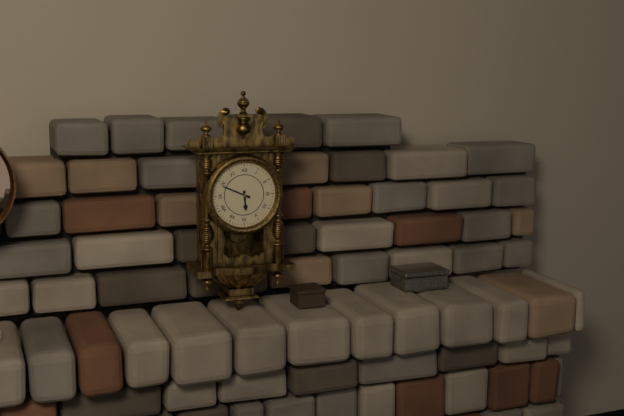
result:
5,49
